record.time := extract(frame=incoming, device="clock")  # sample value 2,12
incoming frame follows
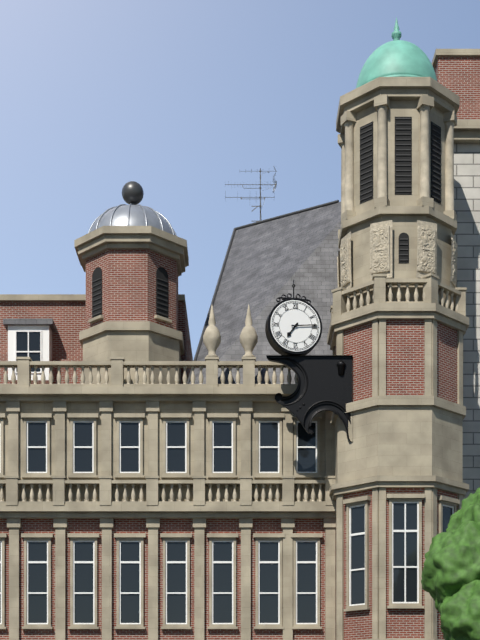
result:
7,14
